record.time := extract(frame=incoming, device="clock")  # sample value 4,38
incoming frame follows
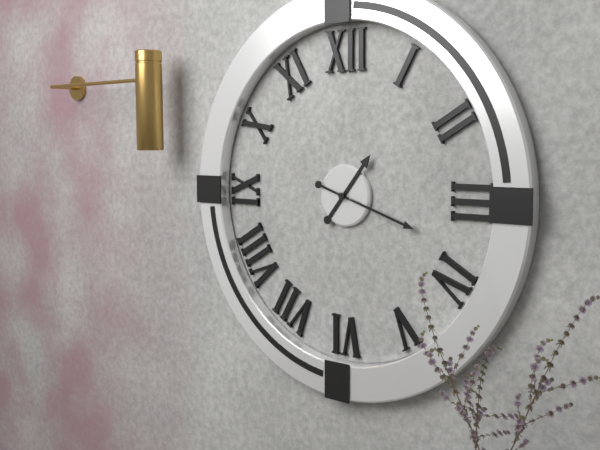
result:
1,18
